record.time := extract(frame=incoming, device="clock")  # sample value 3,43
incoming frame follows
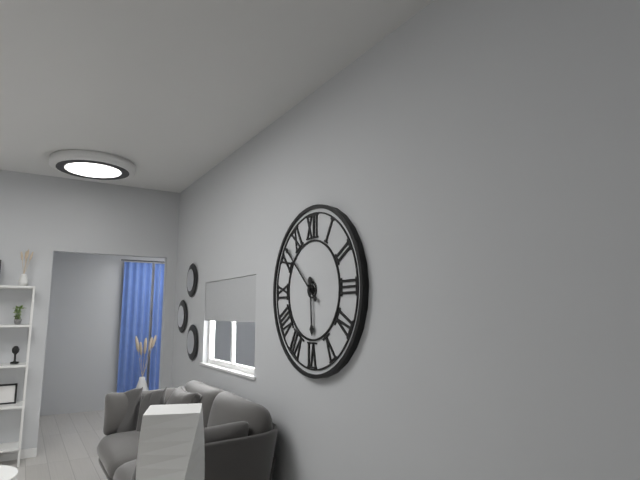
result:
5,52
